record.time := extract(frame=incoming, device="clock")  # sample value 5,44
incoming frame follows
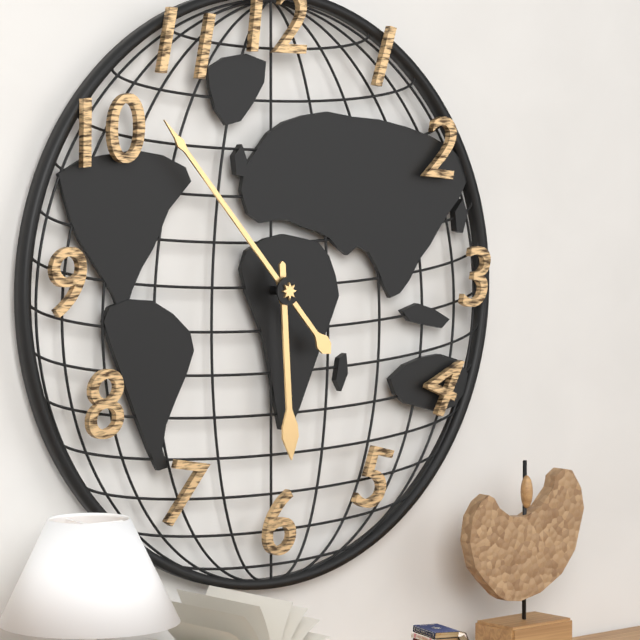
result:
5,53
